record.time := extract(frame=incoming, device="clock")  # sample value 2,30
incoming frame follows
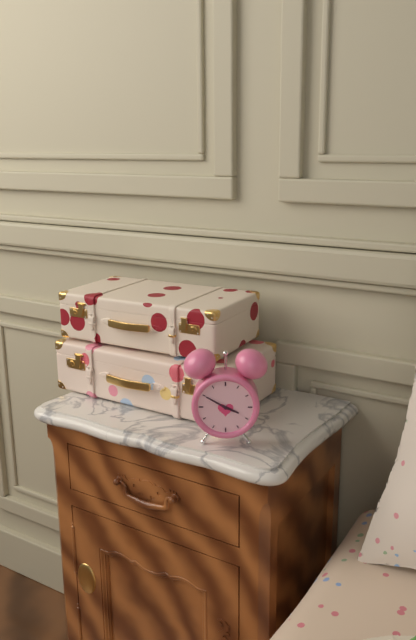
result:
3,50
